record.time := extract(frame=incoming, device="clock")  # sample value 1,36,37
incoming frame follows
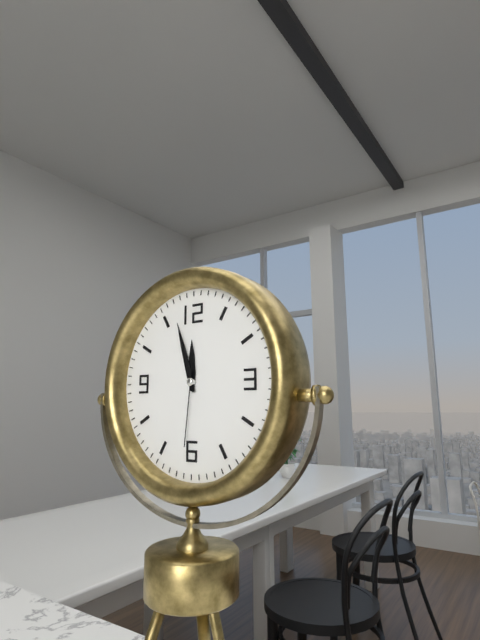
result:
11,57,31
